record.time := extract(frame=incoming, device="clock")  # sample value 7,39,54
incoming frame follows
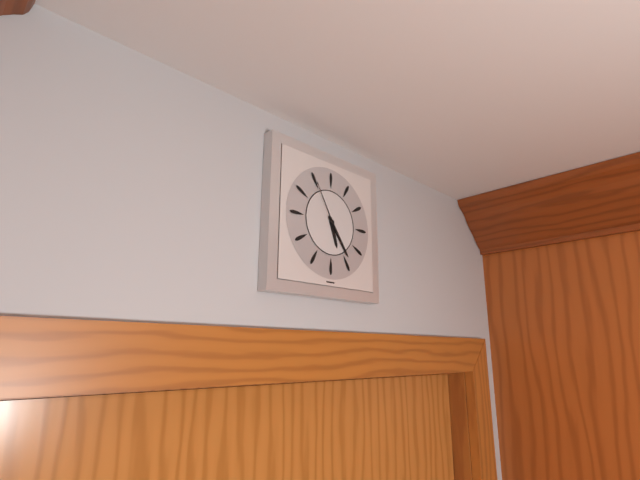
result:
5,24,55
